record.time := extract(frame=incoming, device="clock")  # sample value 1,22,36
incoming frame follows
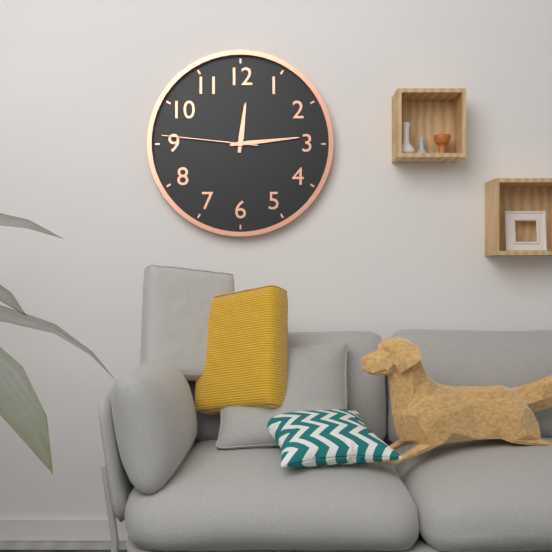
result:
12,14,46
